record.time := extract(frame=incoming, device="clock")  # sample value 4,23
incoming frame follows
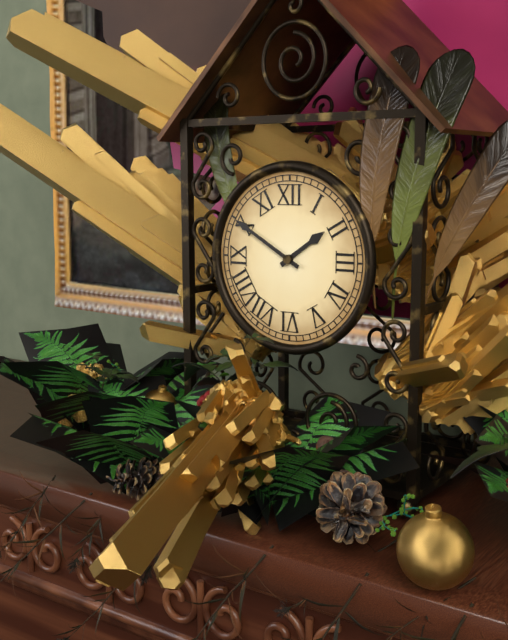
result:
1,50
